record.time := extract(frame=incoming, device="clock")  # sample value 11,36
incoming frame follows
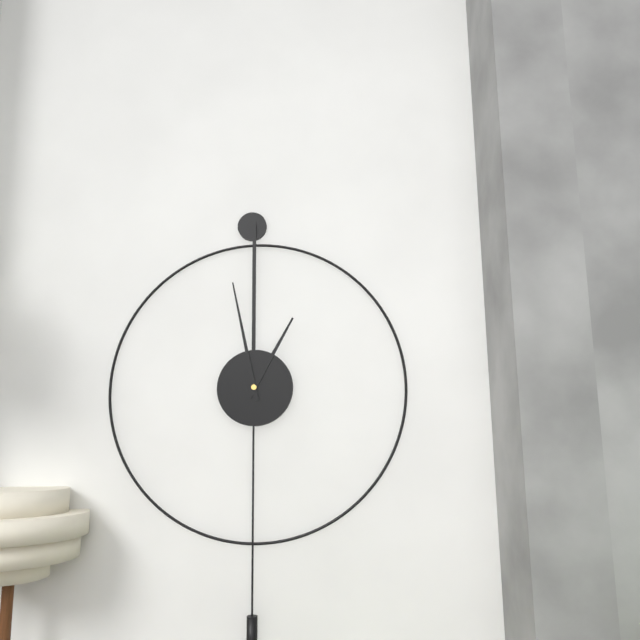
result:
12,58
